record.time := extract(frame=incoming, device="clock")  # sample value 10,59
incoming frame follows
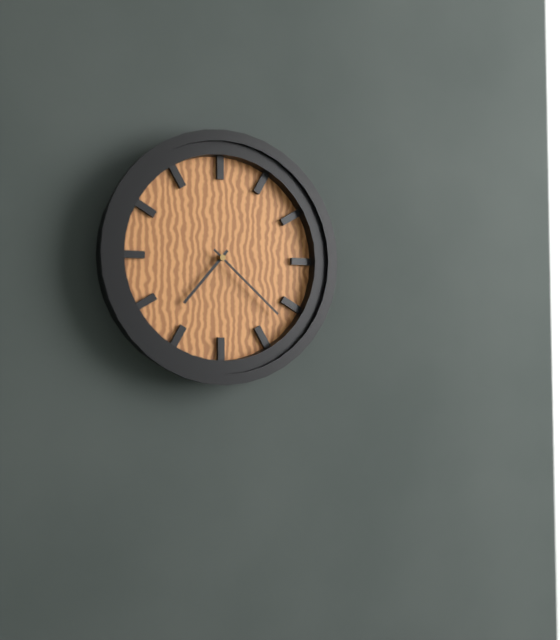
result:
7,22
